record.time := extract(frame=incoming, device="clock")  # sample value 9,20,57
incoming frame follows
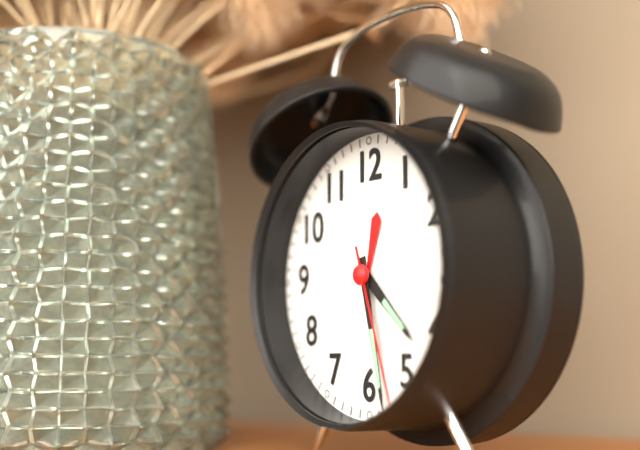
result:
4,28,27
